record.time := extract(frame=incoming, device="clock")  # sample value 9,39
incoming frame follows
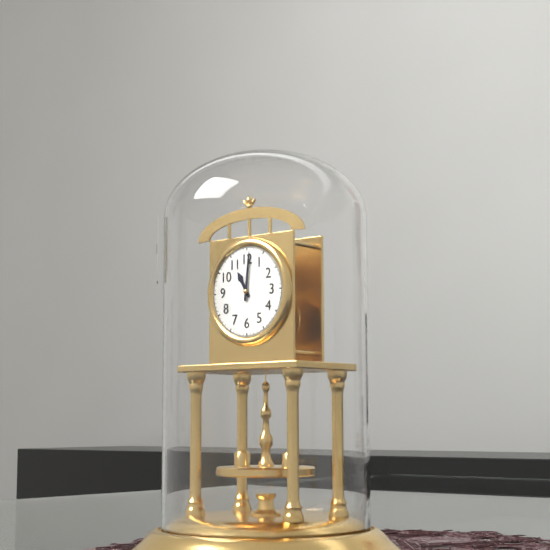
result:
11,01
